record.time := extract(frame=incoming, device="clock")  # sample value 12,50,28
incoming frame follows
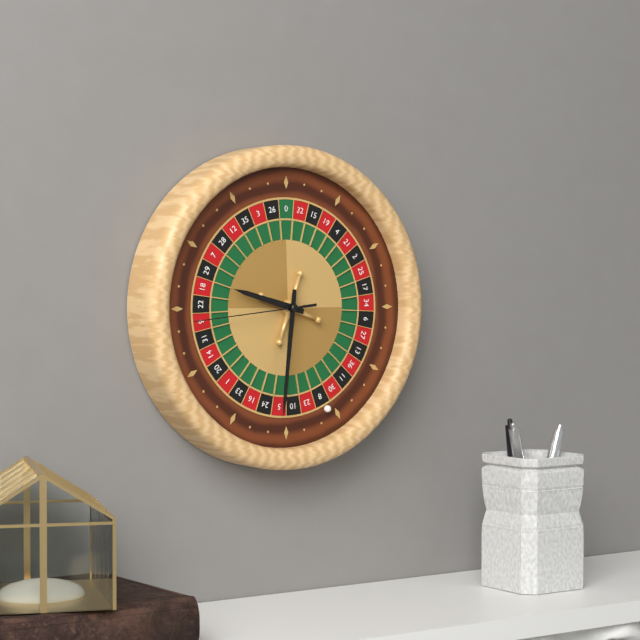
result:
9,31,44
